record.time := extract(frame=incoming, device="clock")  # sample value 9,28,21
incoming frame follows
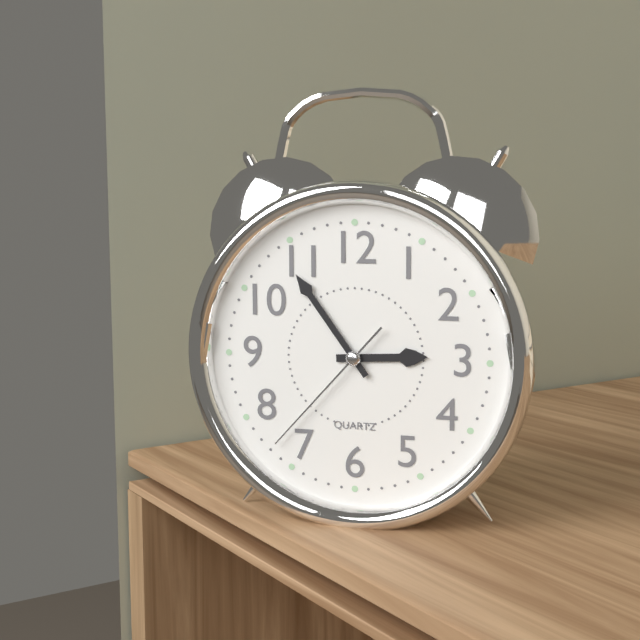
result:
2,54,37
